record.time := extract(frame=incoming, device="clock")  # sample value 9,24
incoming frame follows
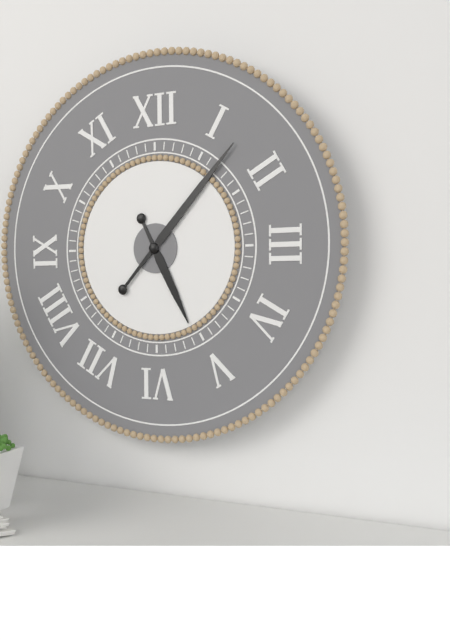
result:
5,07
